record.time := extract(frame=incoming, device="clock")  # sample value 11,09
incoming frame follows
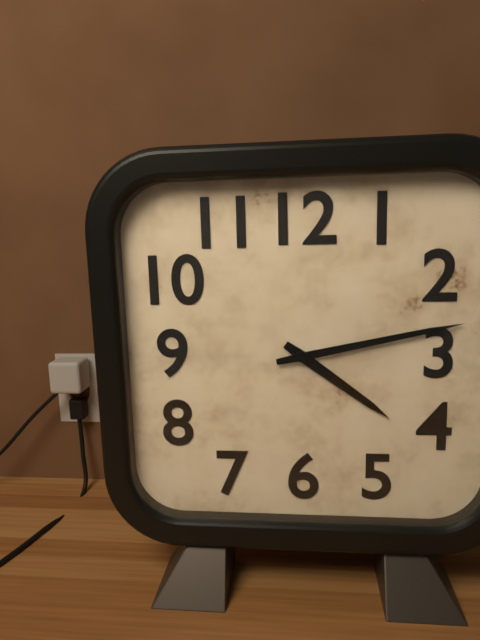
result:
4,13
